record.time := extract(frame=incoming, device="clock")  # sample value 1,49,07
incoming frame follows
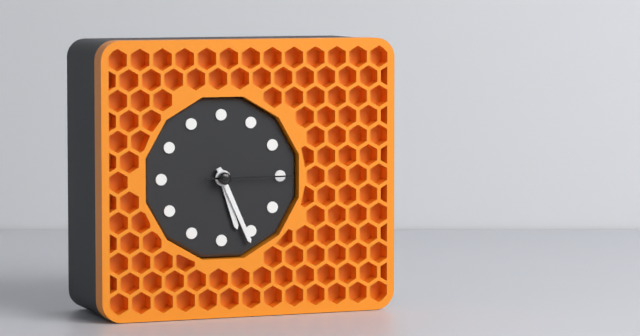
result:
5,26,15
